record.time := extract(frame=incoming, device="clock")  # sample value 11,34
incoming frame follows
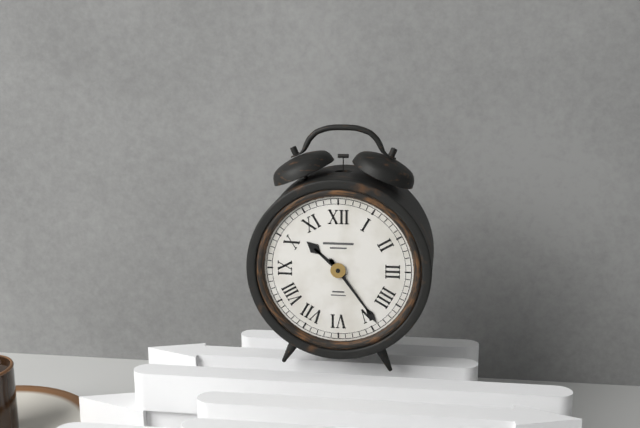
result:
10,24
